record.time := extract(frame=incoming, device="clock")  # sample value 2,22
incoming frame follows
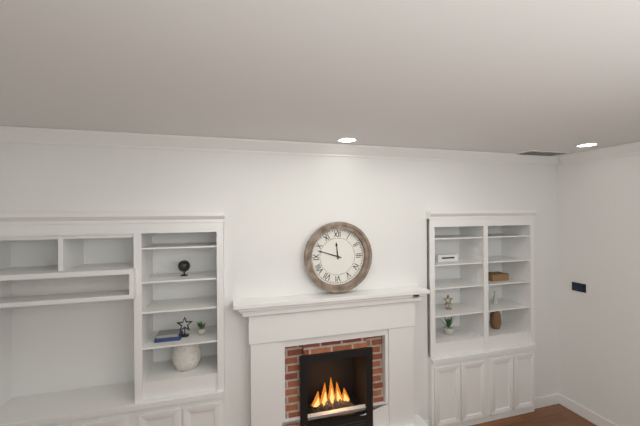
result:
11,48
